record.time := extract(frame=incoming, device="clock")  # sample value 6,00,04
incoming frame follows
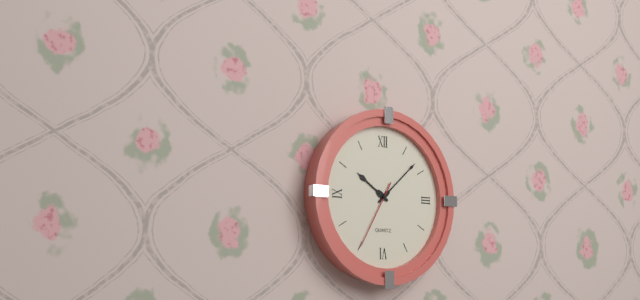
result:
10,08,35
